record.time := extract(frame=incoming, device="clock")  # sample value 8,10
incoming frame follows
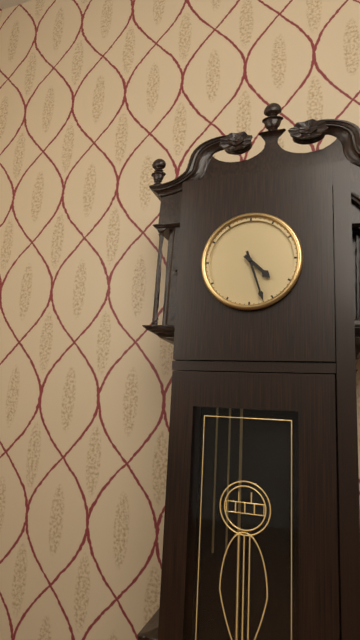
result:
4,27
